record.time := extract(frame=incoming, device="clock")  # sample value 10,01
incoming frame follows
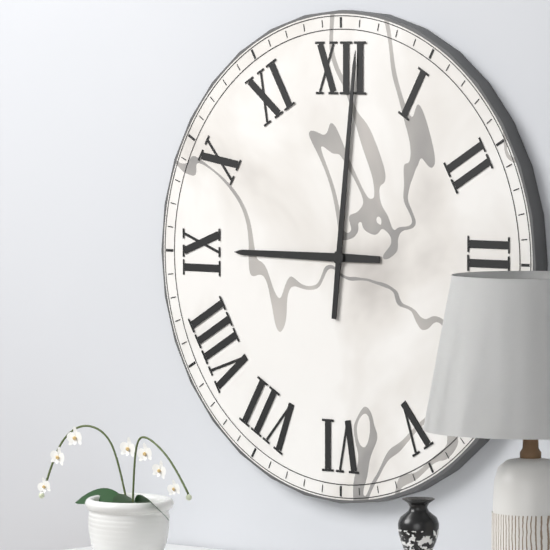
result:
9,01
